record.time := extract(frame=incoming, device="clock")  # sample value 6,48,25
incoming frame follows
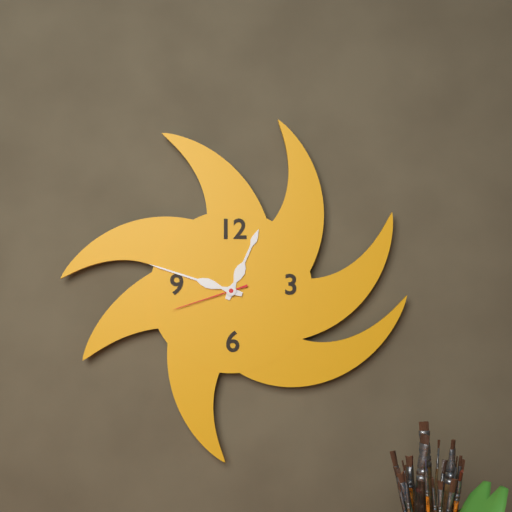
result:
12,48,42
